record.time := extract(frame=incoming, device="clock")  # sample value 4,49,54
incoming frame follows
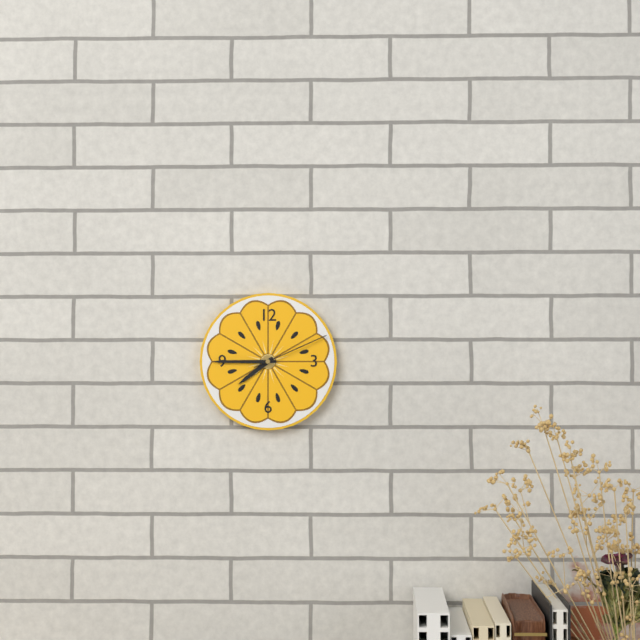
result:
7,45,11
